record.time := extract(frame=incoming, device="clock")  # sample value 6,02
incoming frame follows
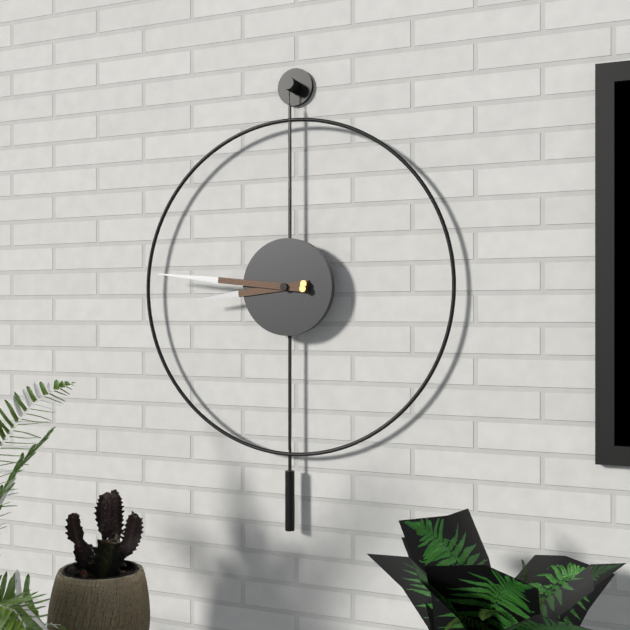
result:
8,46
